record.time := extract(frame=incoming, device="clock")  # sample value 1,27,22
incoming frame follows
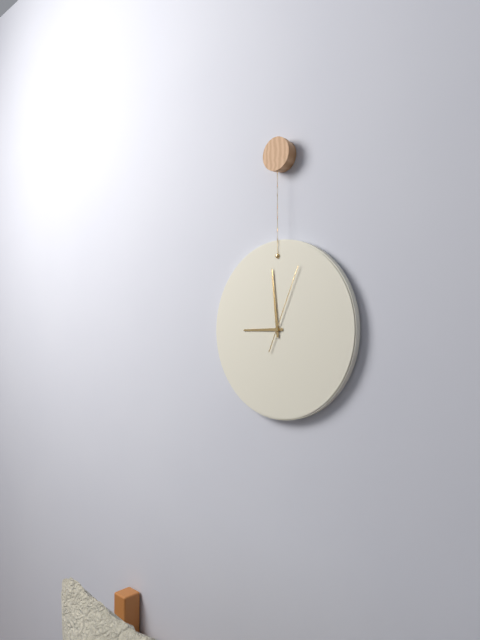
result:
8,59,04
